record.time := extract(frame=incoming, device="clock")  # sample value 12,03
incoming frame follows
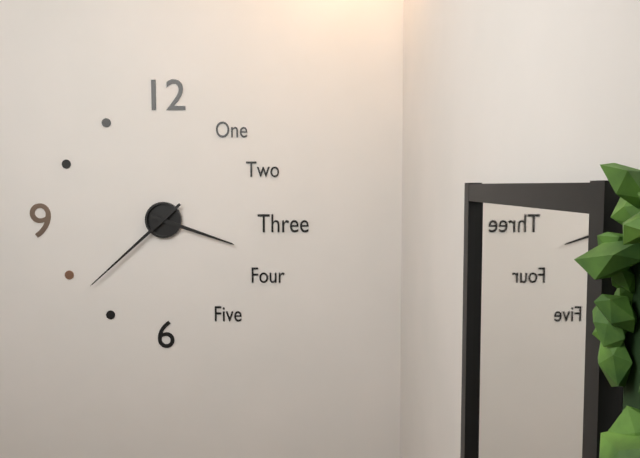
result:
3,38
